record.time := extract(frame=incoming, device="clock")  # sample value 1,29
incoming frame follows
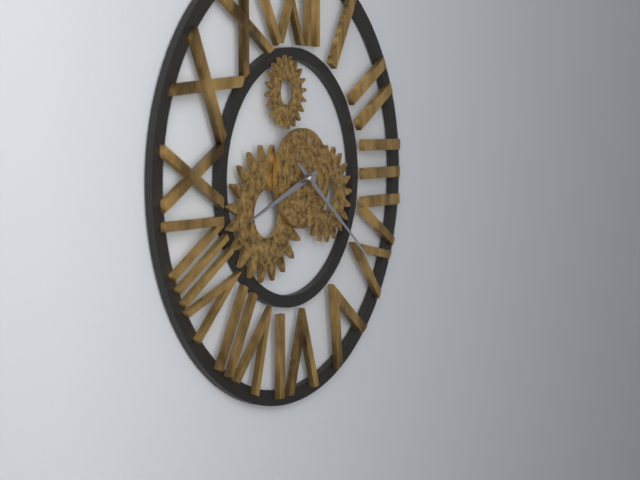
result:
8,21
